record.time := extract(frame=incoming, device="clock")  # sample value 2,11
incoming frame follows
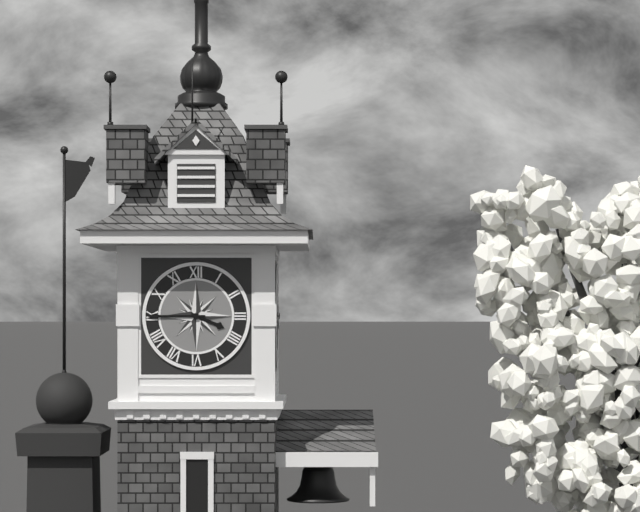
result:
3,45
